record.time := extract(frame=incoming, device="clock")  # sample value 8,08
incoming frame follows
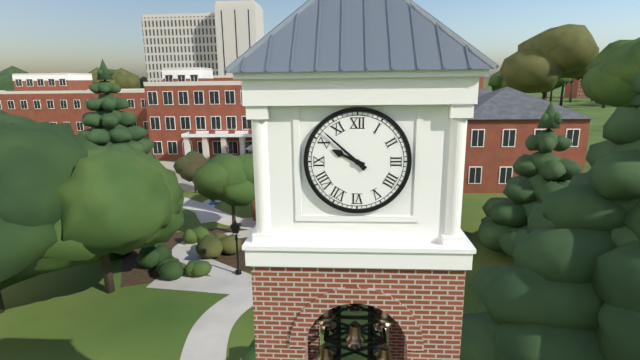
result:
9,52
